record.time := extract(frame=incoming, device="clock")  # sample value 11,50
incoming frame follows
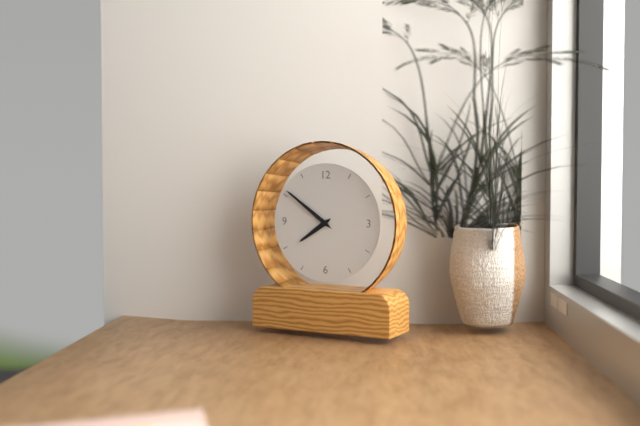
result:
7,51
